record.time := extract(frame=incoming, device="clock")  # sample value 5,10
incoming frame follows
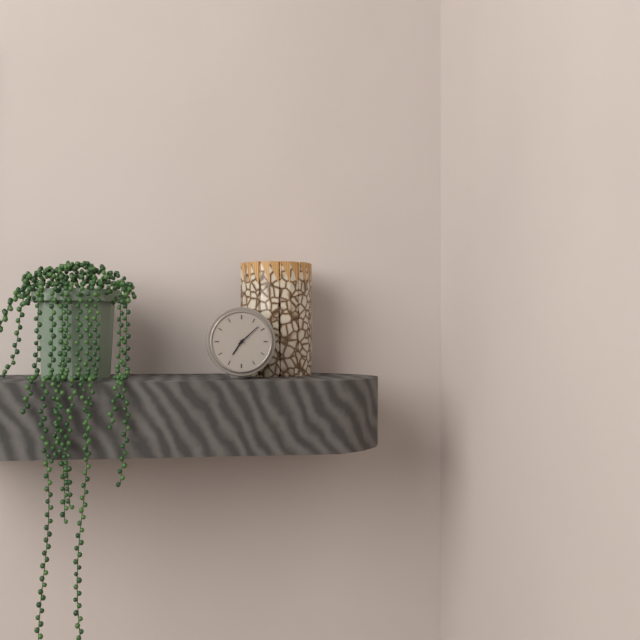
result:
7,08
